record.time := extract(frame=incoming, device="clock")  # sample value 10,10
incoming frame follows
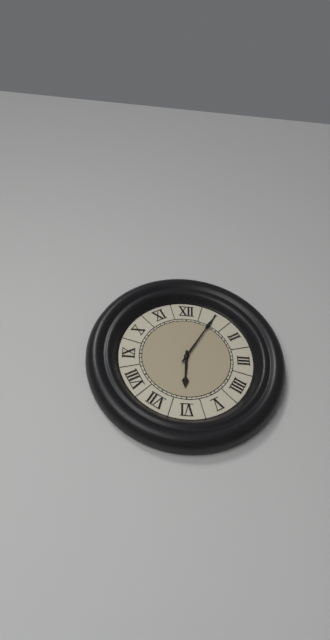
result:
6,05
